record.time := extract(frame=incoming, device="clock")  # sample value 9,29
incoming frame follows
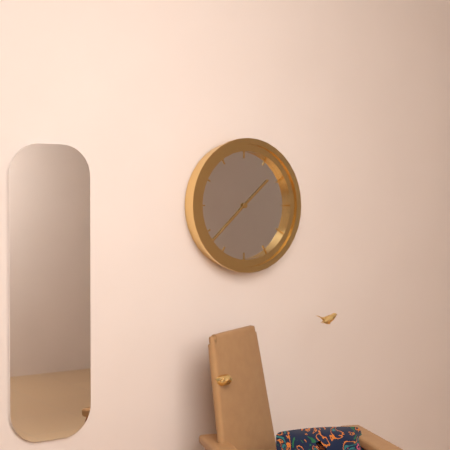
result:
1,38
